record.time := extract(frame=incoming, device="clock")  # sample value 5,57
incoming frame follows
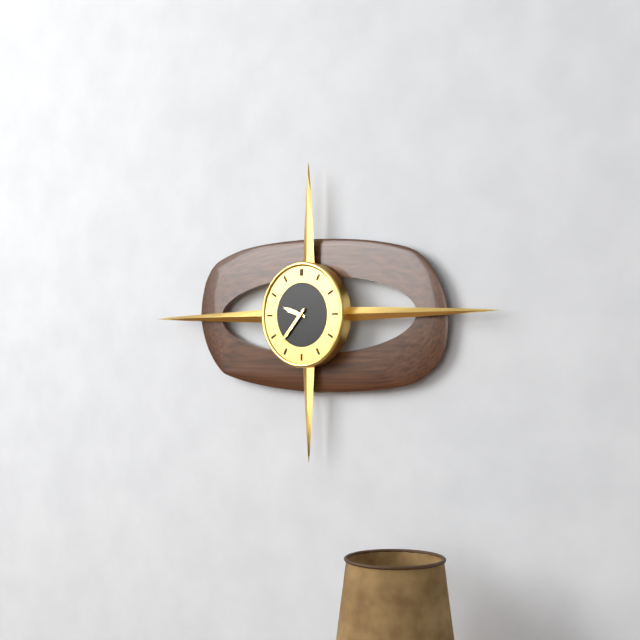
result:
9,37
